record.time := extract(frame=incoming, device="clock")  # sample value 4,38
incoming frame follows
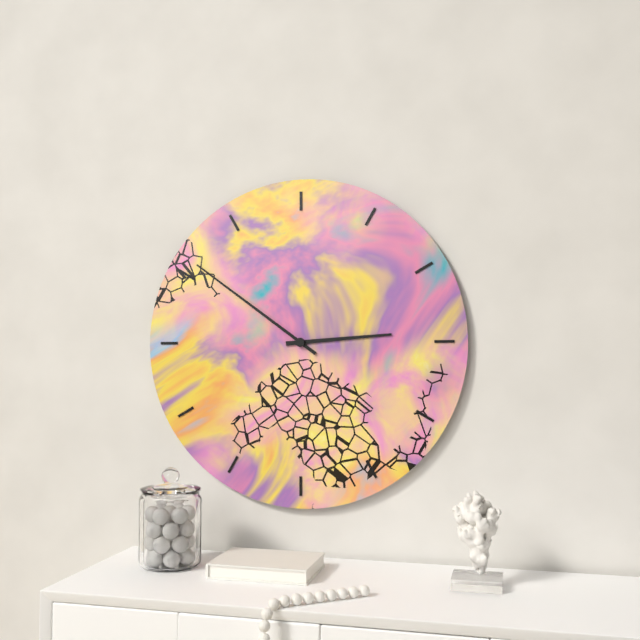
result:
2,51
